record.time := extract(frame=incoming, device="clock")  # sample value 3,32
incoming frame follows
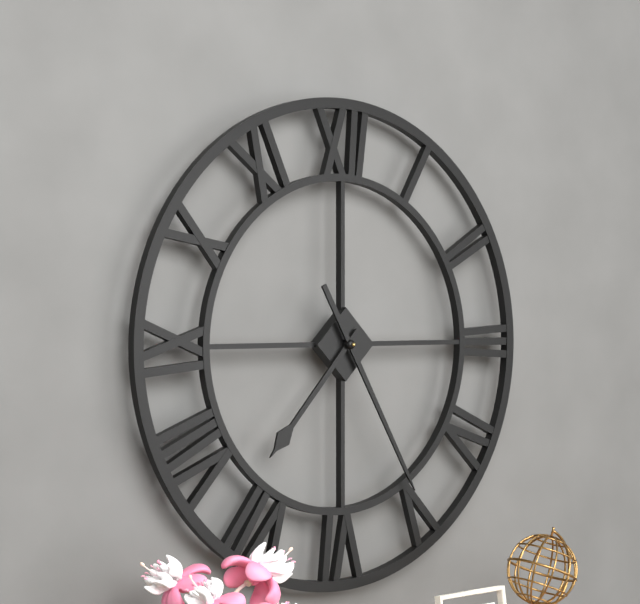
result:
7,25
